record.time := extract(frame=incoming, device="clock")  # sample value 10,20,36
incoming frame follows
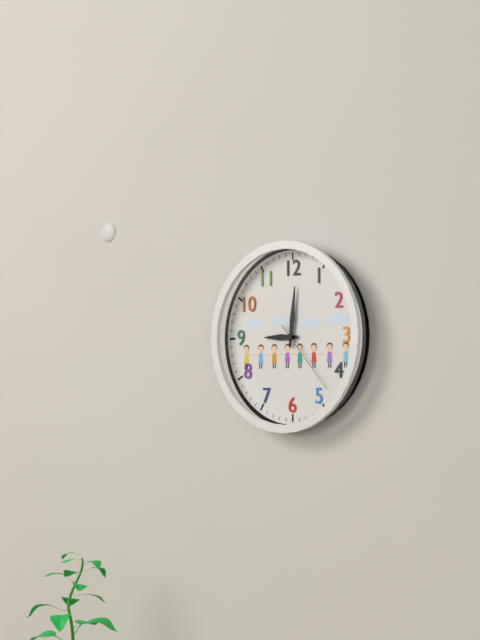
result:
9,01,23
